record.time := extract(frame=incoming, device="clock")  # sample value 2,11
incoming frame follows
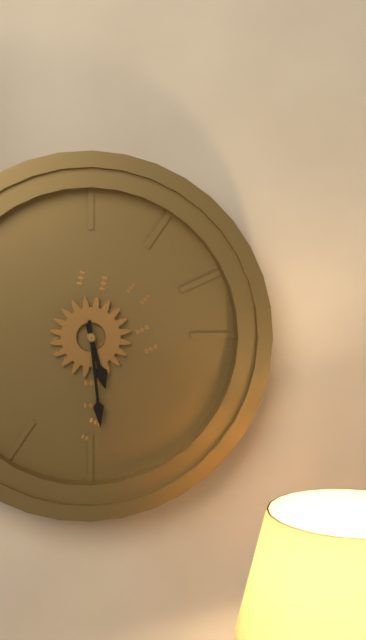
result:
5,29
